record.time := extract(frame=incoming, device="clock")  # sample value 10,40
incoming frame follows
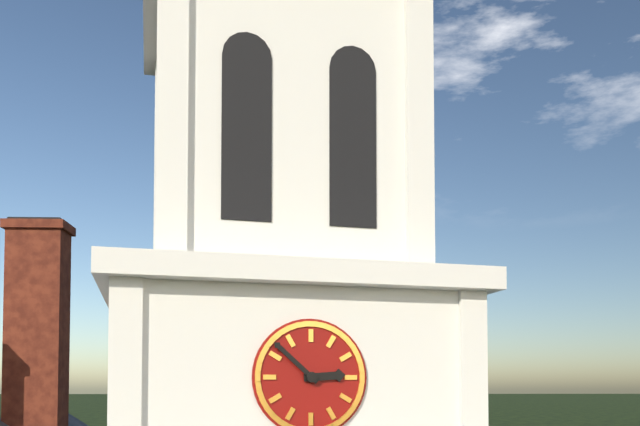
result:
2,52
